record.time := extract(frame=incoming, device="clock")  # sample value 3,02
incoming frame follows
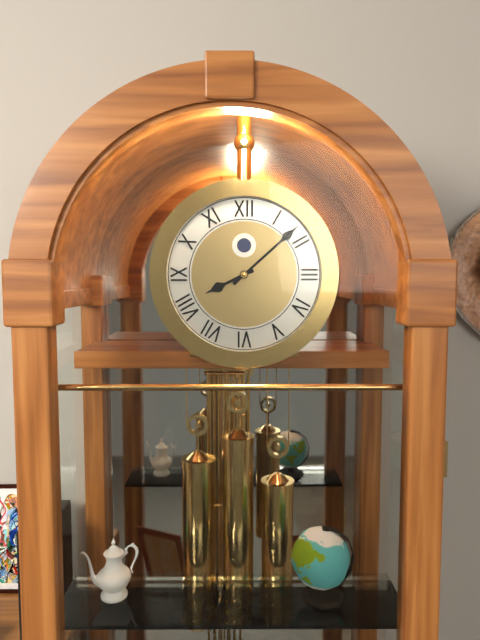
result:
8,08
